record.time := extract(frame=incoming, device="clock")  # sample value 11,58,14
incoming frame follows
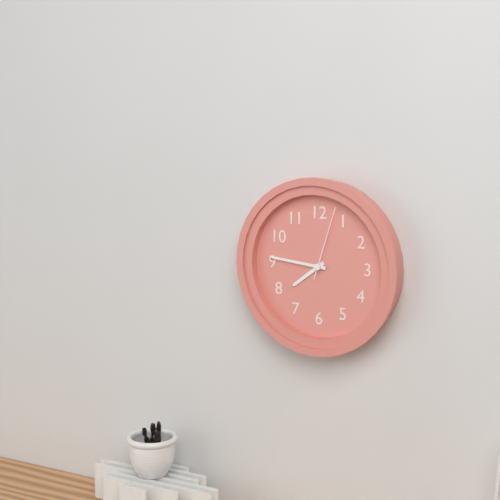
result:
7,46,03
